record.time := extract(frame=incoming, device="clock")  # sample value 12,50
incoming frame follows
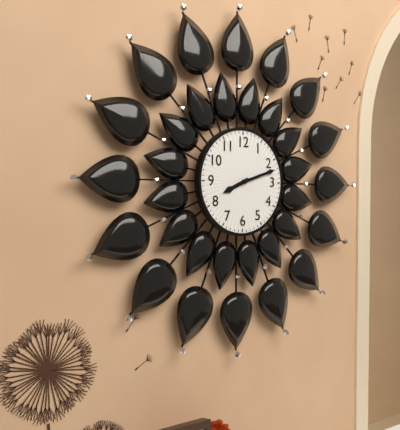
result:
8,12
